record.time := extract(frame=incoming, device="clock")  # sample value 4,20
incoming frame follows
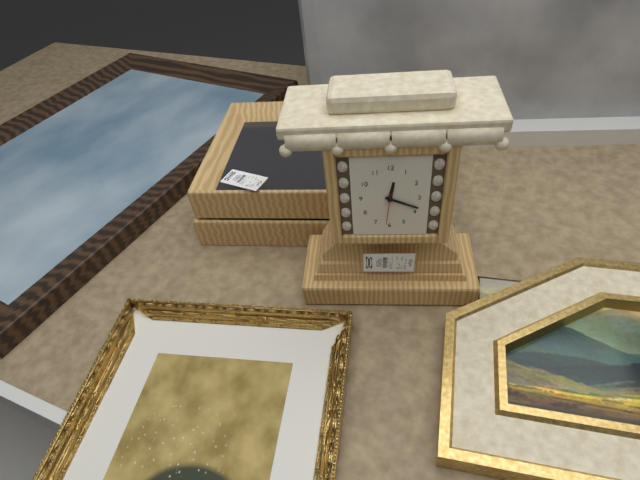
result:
12,19
